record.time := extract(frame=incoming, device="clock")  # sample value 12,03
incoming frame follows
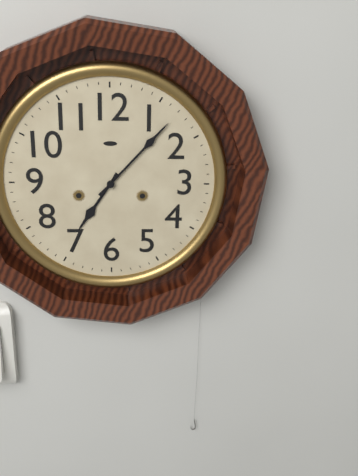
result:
7,07
